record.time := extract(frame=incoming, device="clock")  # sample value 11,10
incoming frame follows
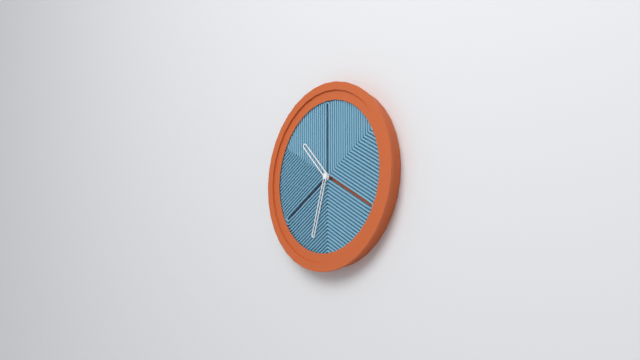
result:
10,33
